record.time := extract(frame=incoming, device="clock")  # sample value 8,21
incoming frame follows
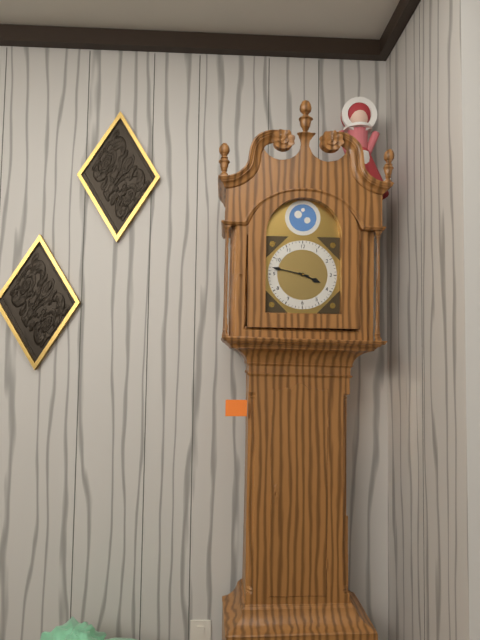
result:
3,47
